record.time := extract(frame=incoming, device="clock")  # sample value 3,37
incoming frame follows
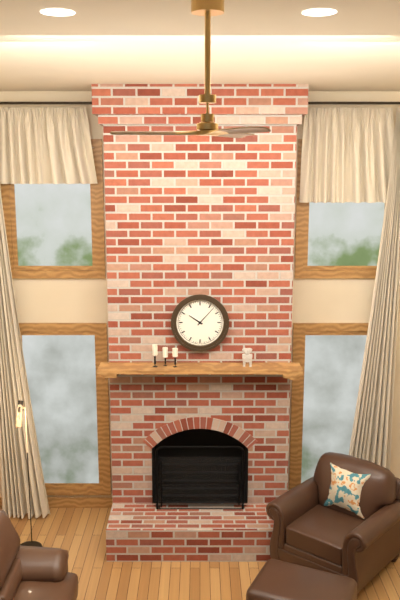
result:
10,07
